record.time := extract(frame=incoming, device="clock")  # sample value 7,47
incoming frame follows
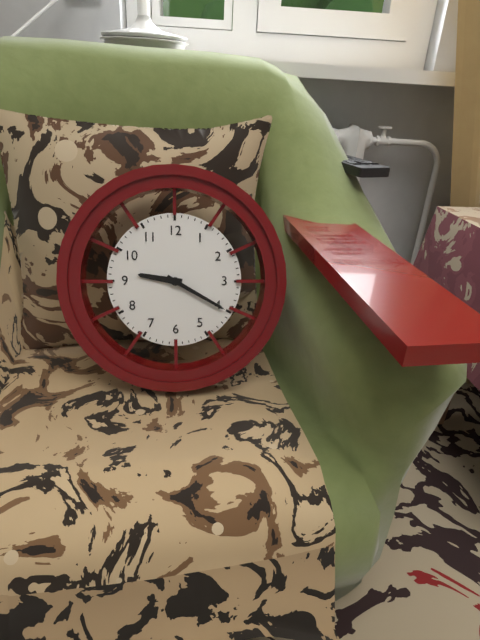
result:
9,20
